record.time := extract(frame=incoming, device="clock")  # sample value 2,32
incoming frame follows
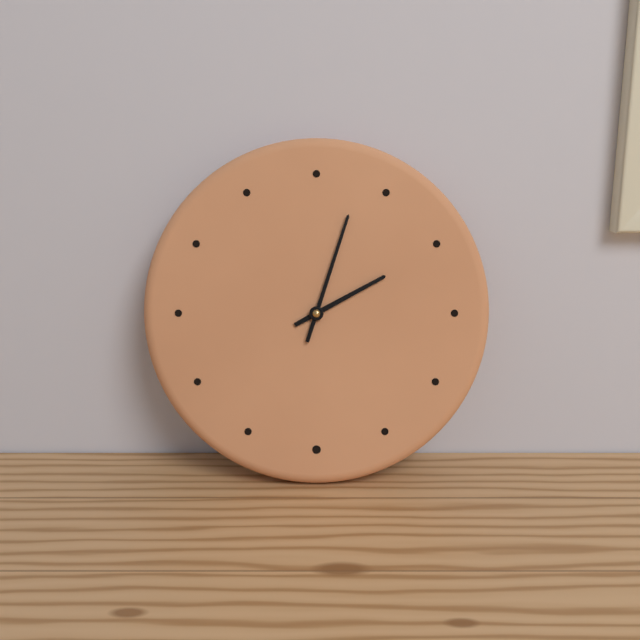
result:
2,03
